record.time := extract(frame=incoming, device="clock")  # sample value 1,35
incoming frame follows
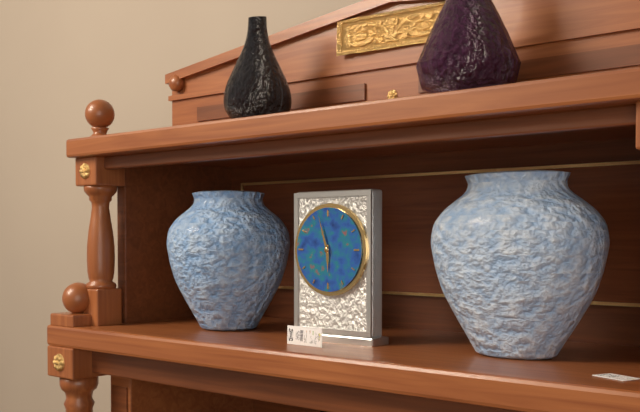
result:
5,57
